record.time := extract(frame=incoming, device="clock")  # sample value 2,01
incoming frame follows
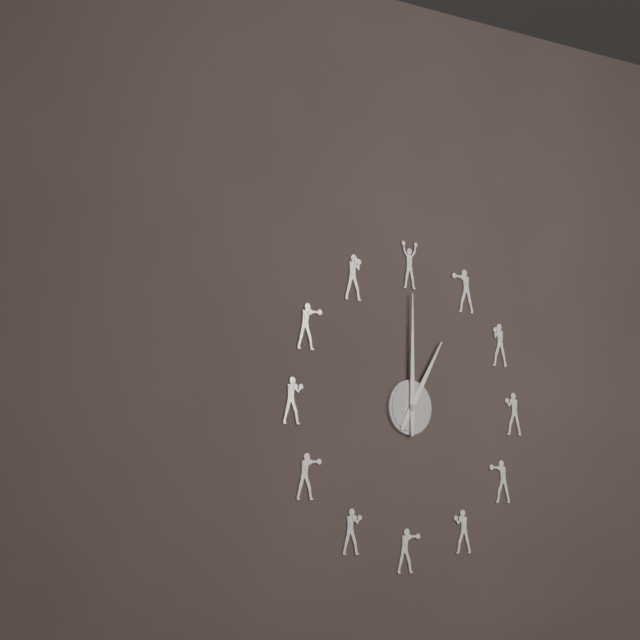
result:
1,00
